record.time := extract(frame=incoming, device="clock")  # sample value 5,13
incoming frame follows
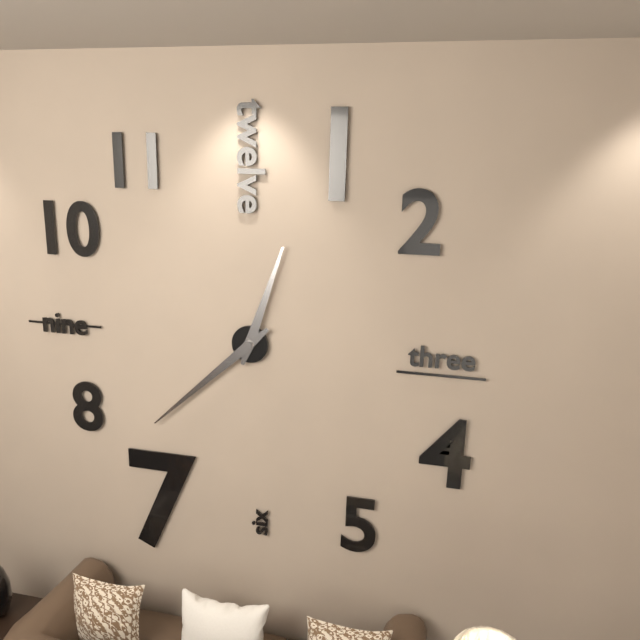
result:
12,38
